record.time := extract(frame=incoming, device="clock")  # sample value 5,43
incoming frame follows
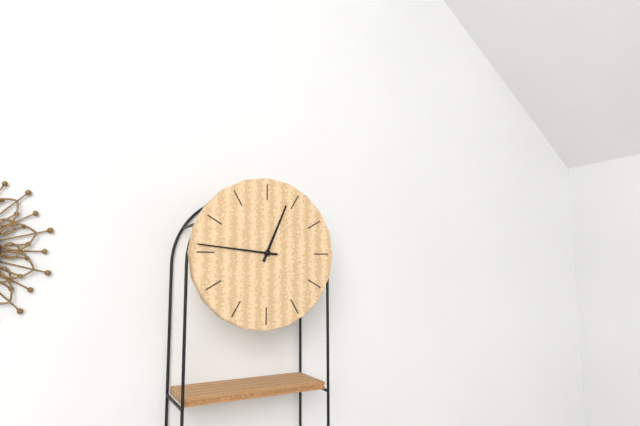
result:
12,46
